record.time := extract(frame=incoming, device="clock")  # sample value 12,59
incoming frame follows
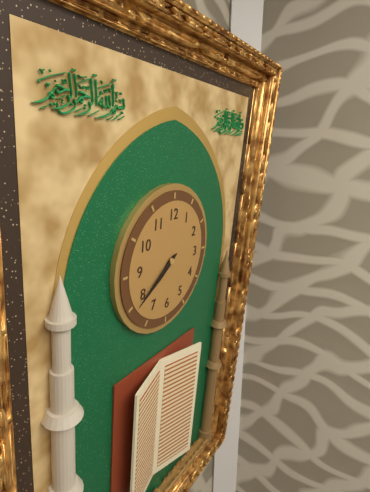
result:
7,39
